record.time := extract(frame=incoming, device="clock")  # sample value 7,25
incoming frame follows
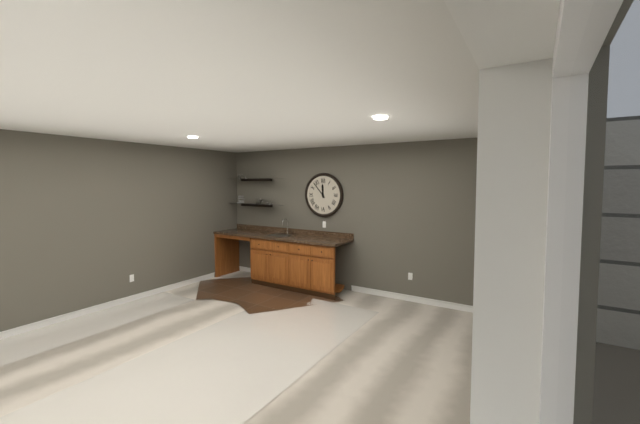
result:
11,53
